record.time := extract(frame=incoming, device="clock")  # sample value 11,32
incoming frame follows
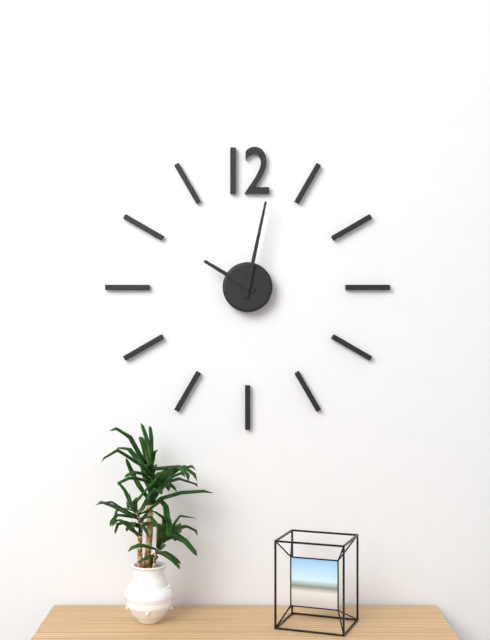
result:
10,02
